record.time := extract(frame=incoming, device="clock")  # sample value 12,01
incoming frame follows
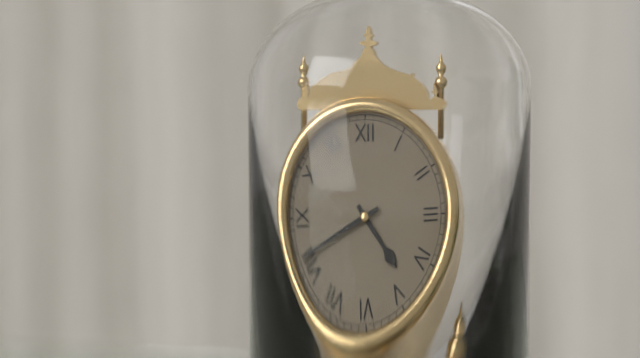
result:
4,41
